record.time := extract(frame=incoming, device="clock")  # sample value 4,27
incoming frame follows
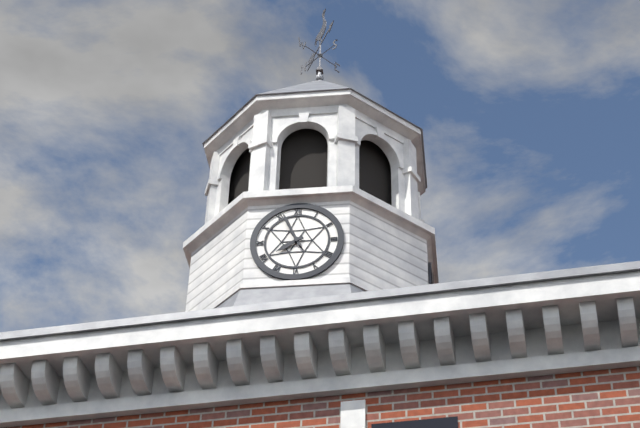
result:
7,56
